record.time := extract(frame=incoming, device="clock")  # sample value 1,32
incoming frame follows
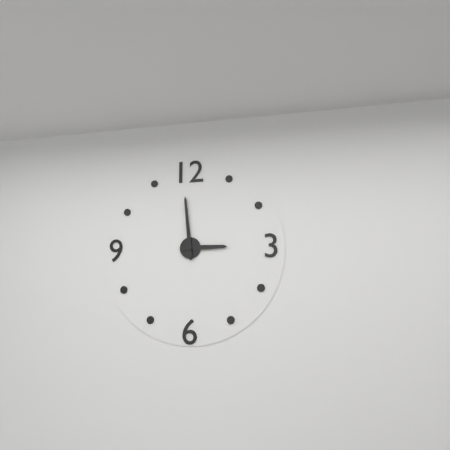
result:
2,59
